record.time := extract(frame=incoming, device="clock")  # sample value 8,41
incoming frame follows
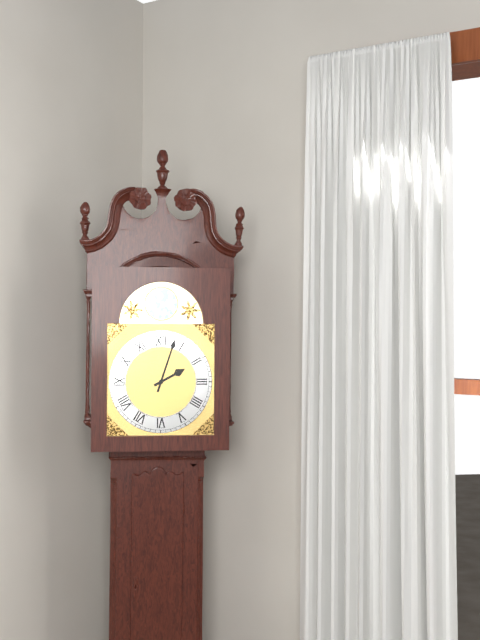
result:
2,03
